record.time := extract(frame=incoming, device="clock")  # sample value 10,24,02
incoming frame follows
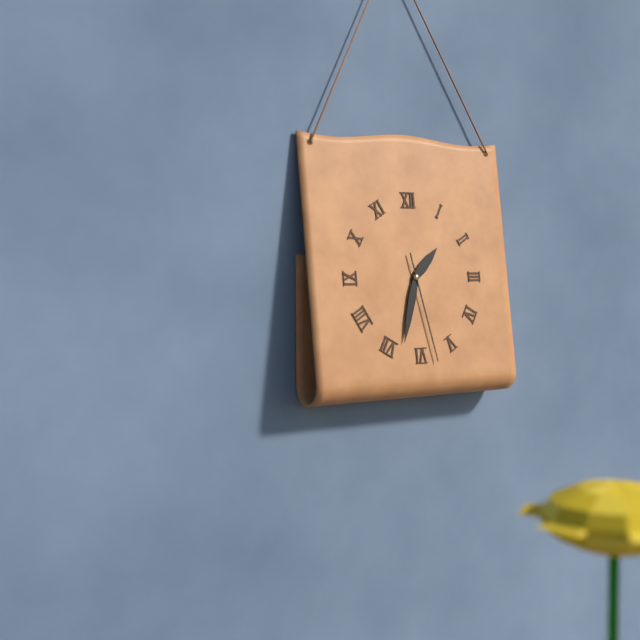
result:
1,33,28
